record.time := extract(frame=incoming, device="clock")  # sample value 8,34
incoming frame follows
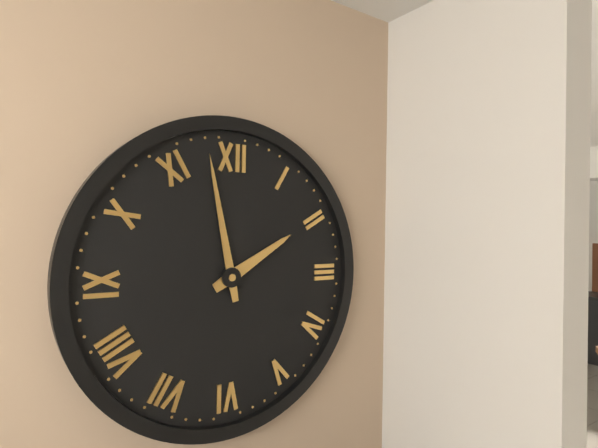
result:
1,58
